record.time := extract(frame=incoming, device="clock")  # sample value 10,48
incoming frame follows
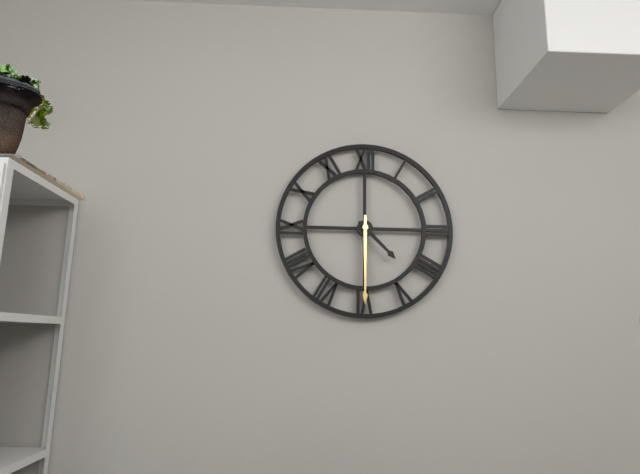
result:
4,30
